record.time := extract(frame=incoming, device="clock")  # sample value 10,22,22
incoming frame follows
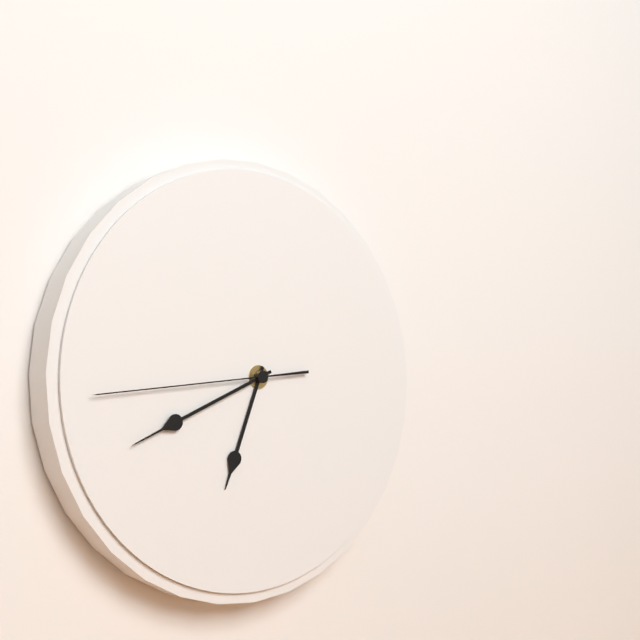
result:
6,41,44
